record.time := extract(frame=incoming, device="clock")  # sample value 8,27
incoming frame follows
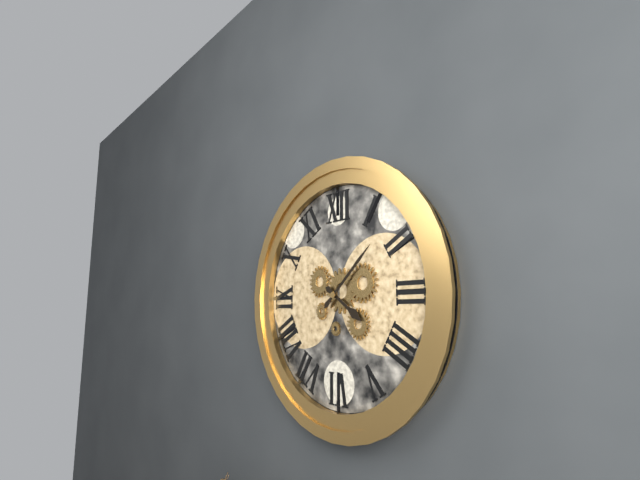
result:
4,08
